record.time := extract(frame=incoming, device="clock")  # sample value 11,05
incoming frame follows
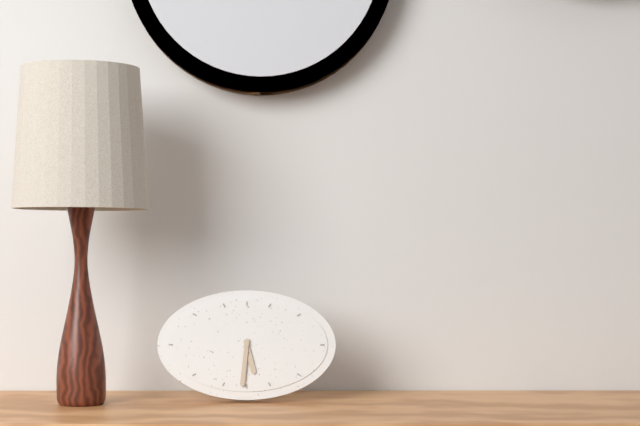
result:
5,31
